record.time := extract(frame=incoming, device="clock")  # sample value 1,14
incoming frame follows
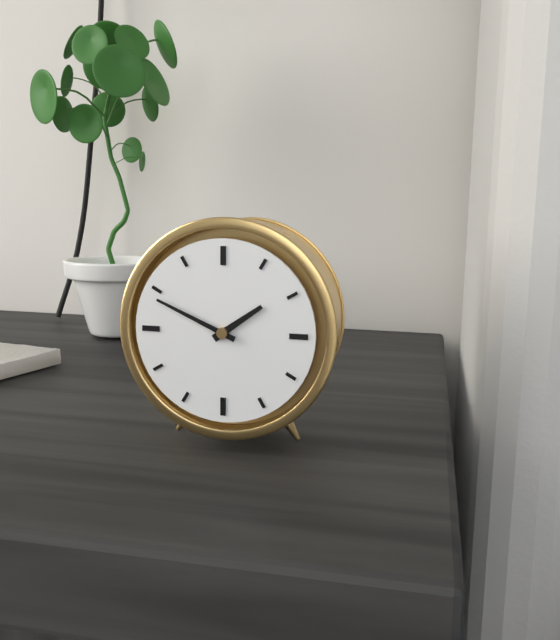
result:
1,49
